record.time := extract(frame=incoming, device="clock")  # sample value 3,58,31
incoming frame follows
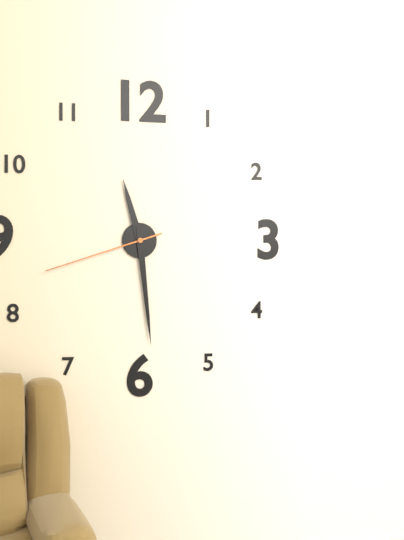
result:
11,29,42
